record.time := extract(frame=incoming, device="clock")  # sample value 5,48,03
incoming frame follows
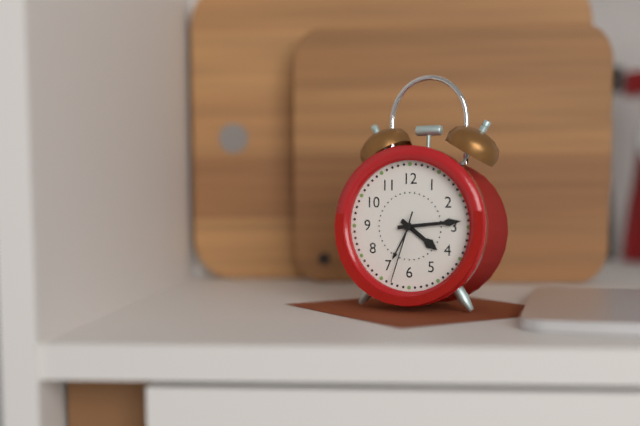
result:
4,14,33
